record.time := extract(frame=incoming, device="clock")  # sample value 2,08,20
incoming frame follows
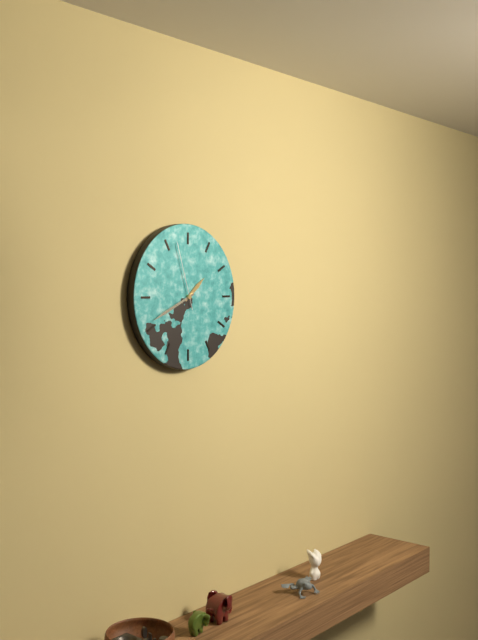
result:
1,41,57
